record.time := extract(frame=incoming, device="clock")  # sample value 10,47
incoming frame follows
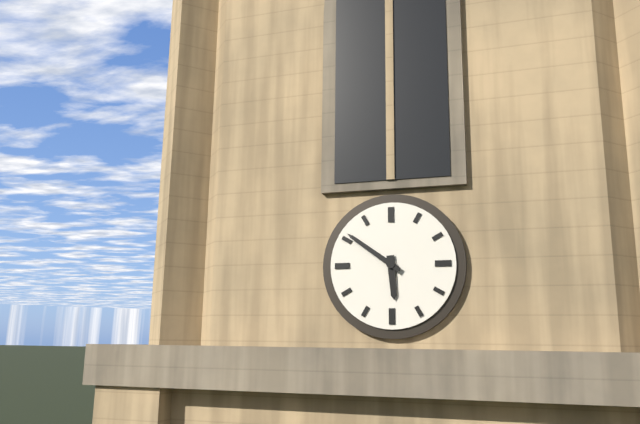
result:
5,51
